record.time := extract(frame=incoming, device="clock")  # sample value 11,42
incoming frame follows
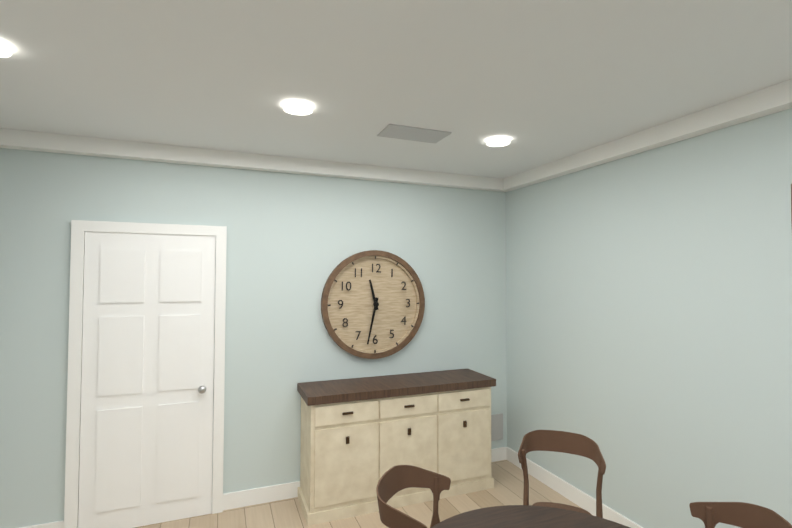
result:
11,32
